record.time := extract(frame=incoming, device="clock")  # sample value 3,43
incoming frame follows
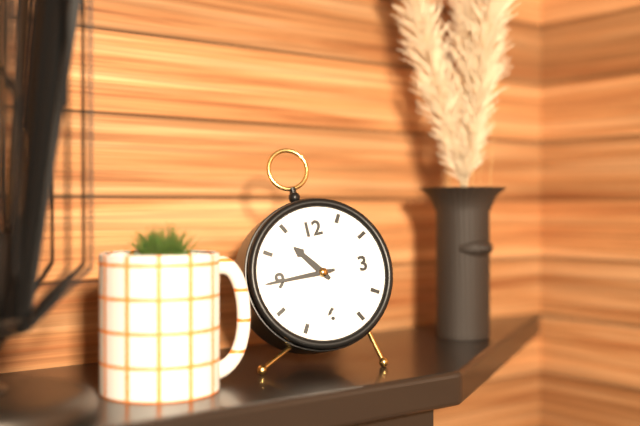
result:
10,45
